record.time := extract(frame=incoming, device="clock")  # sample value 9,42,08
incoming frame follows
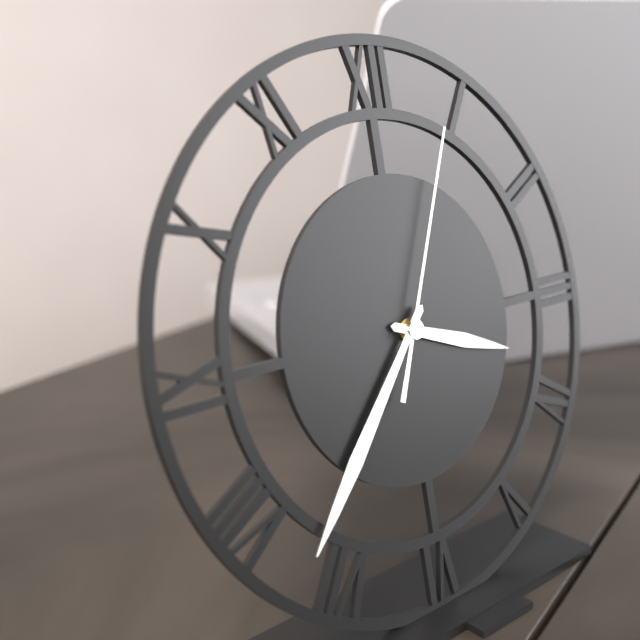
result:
3,37,04
